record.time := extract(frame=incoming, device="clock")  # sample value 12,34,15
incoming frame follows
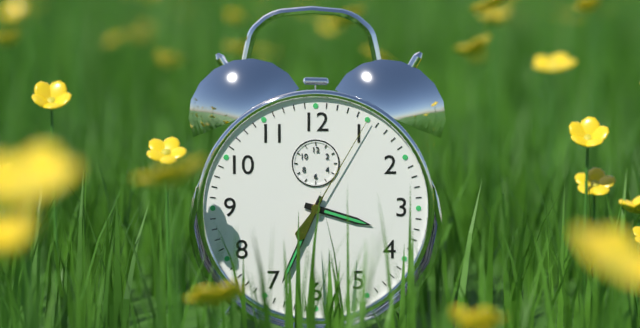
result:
3,34,05
